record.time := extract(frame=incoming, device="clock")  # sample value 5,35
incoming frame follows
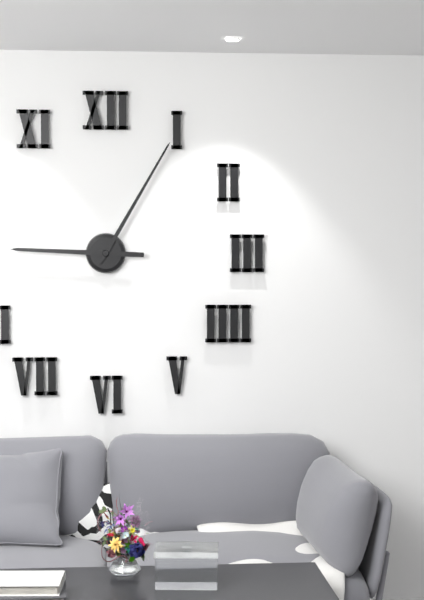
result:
9,05
